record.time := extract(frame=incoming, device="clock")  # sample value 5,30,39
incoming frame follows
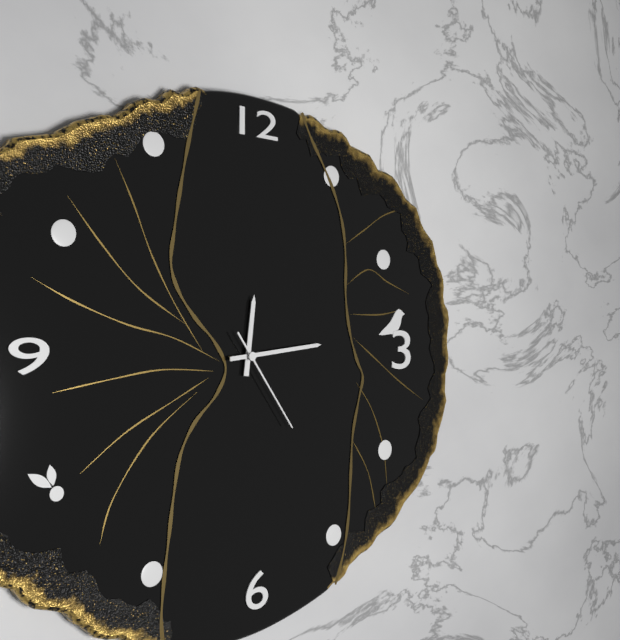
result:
12,14,24
